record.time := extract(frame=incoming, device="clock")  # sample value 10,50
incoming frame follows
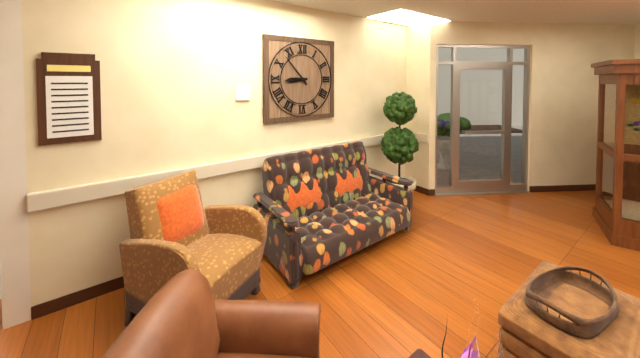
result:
8,53
